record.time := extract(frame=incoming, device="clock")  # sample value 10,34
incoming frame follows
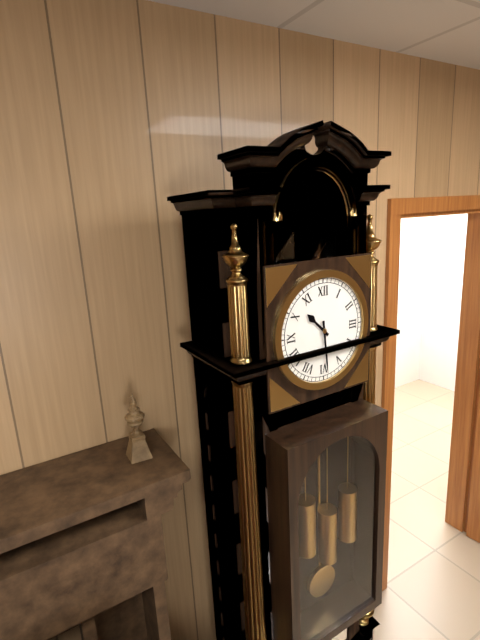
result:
10,29
